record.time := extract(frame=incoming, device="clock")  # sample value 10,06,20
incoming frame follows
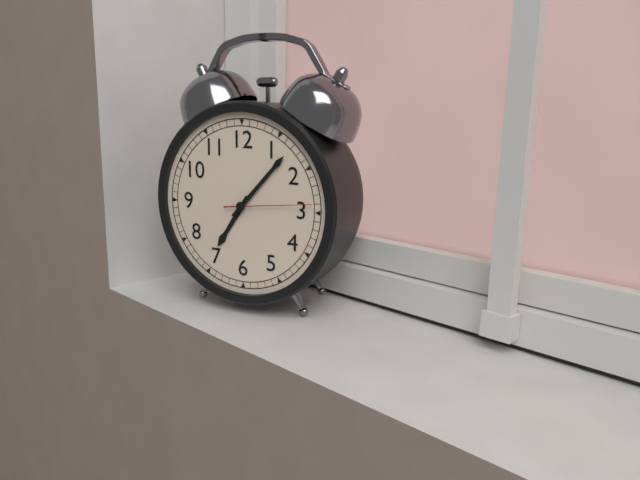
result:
7,07,14
